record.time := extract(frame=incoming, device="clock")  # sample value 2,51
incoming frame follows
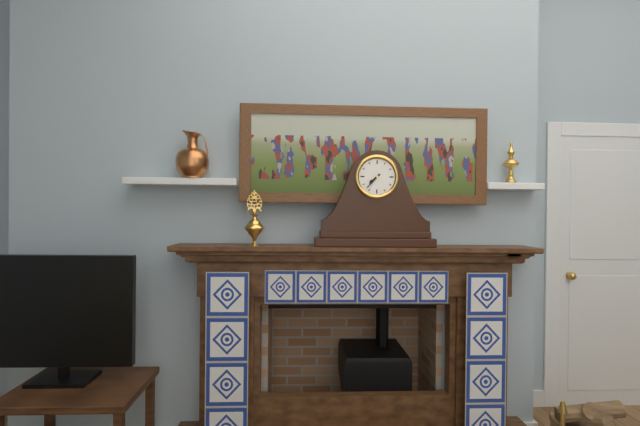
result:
7,37
